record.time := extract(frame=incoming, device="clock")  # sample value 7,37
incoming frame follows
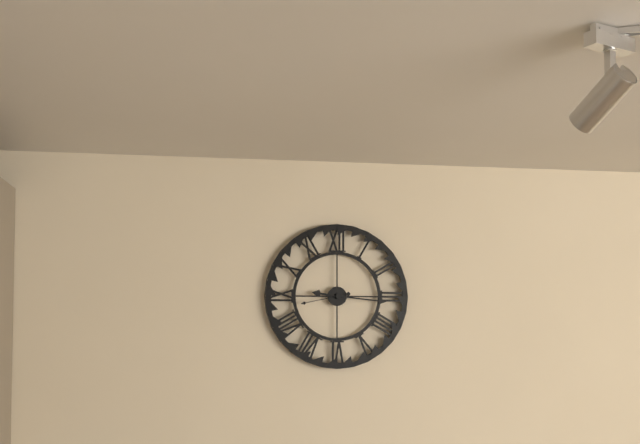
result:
9,16
